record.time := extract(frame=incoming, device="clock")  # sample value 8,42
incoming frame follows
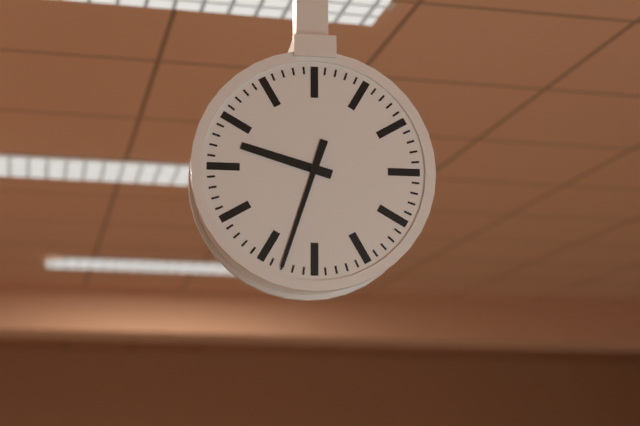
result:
9,33
